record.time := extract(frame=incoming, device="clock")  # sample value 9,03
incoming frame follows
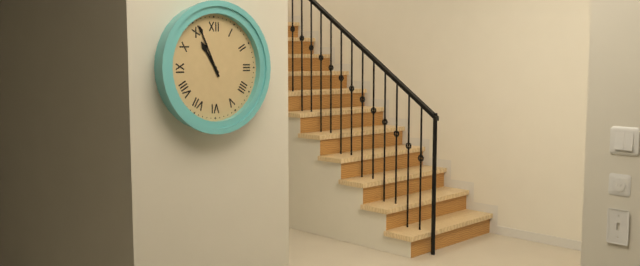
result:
10,56
